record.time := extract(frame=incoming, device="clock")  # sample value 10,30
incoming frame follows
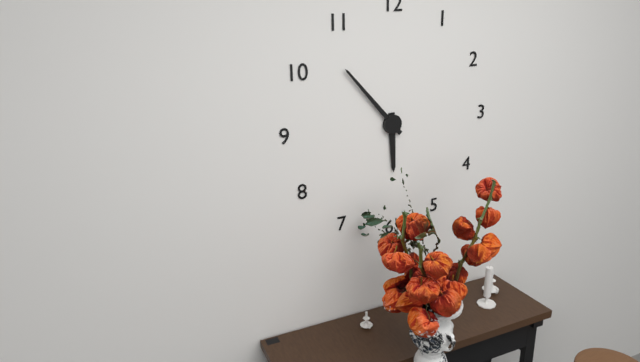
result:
5,53
